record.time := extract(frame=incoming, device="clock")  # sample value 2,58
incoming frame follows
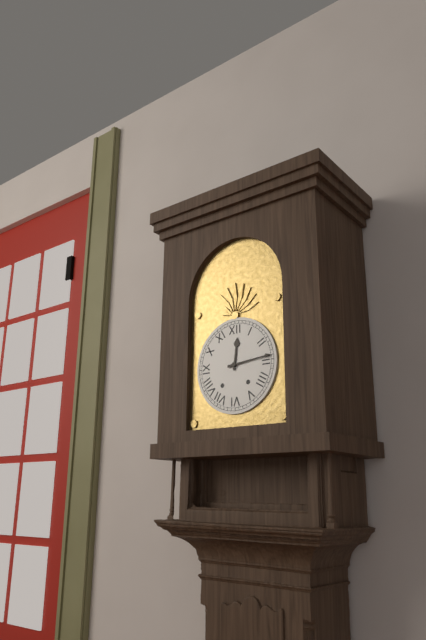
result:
12,14
